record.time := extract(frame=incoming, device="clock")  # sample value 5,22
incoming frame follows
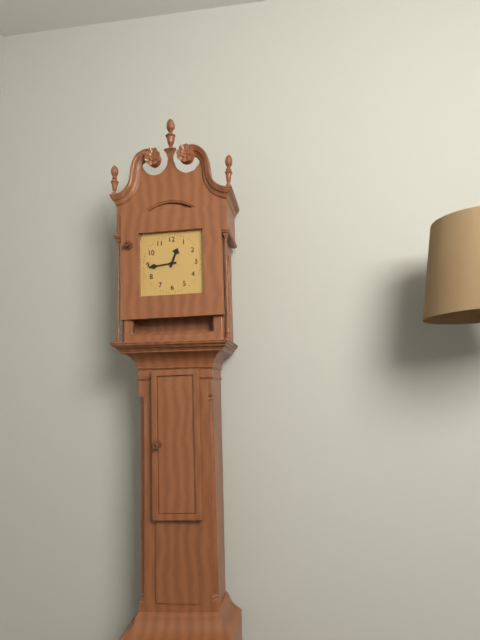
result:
12,44
